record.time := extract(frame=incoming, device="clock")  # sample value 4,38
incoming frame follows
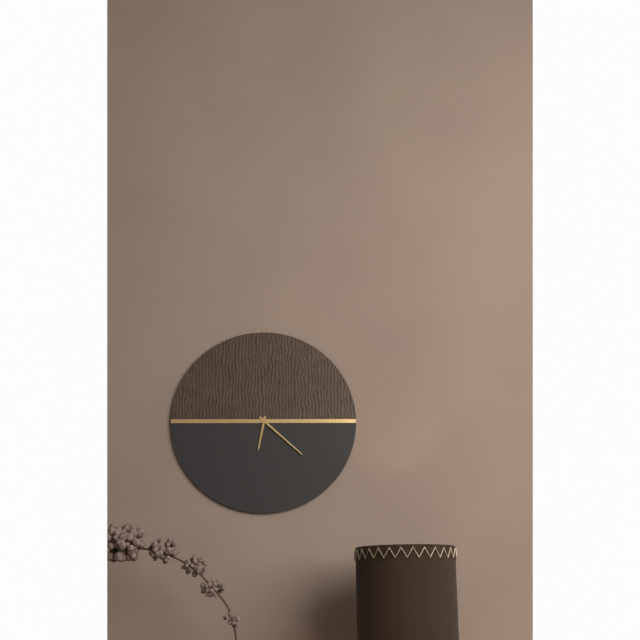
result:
6,22
